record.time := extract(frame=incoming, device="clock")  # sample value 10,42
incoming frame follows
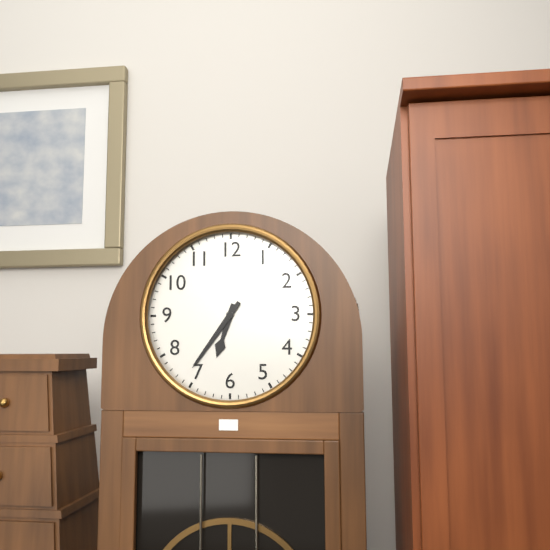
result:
6,36
